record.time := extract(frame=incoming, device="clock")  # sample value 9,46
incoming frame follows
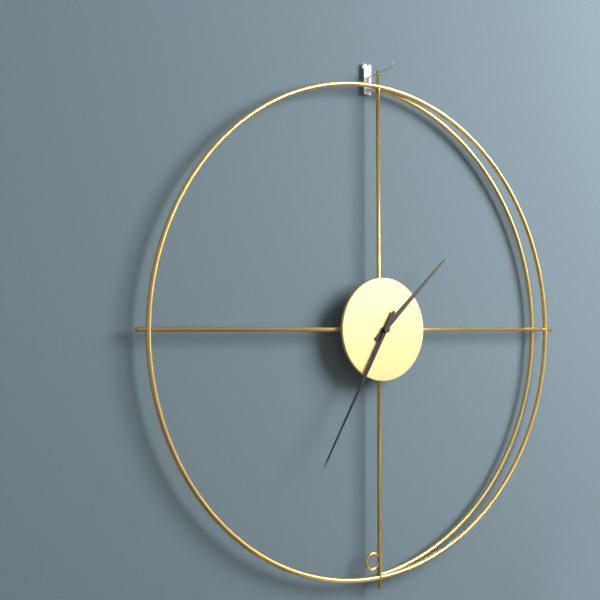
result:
1,35
